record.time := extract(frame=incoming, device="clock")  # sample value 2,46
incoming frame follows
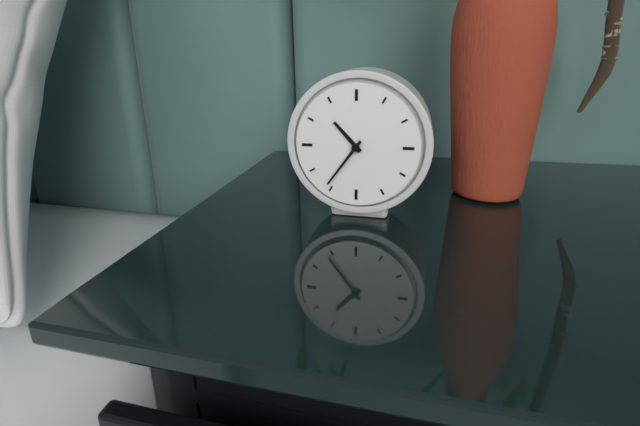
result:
10,36
